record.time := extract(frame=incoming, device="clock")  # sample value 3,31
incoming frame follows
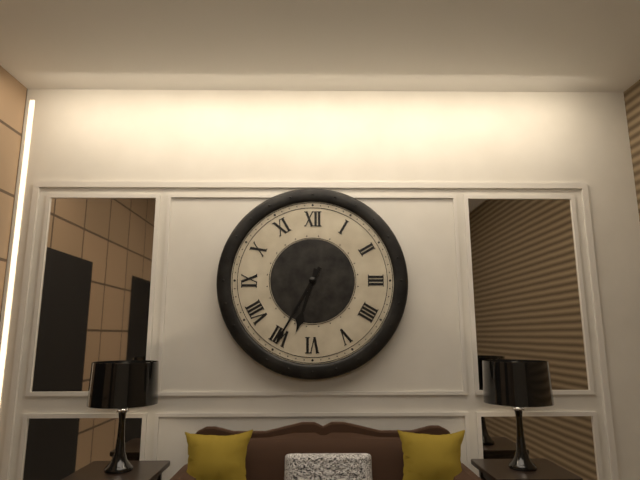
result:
6,35
